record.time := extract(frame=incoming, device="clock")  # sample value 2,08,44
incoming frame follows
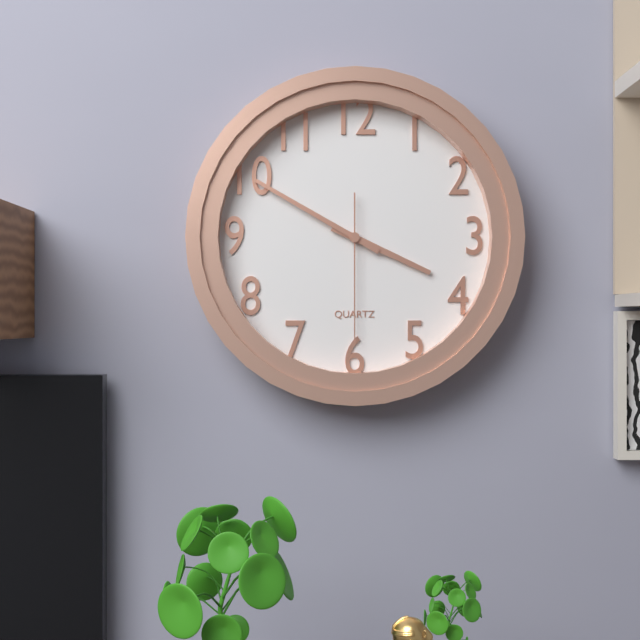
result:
3,50,30
